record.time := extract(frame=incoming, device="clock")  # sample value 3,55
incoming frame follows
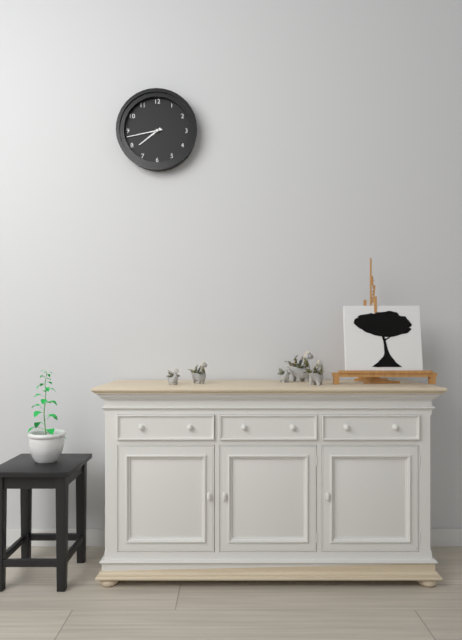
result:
7,43
